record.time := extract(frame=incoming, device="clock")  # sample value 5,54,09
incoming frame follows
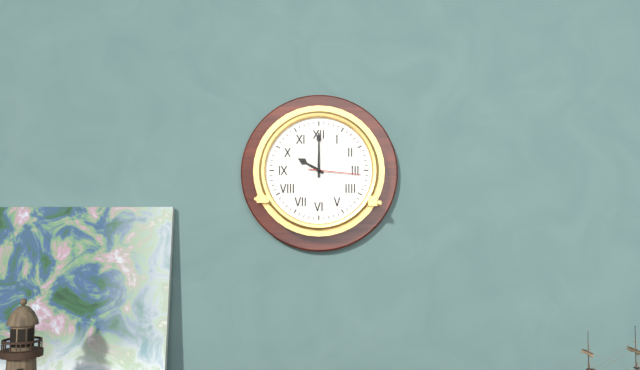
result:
10,00,16
